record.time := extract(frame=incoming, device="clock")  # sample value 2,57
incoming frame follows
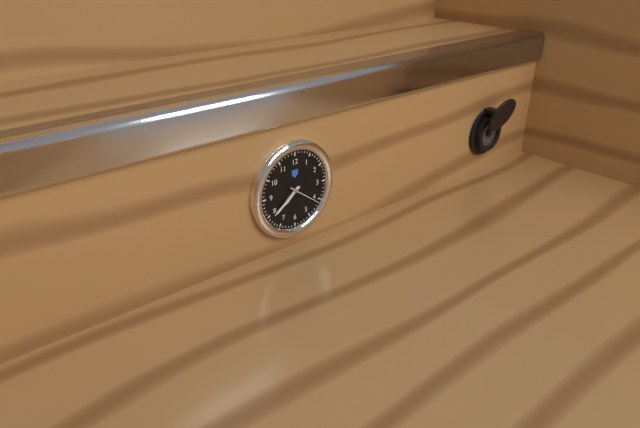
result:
7,39
